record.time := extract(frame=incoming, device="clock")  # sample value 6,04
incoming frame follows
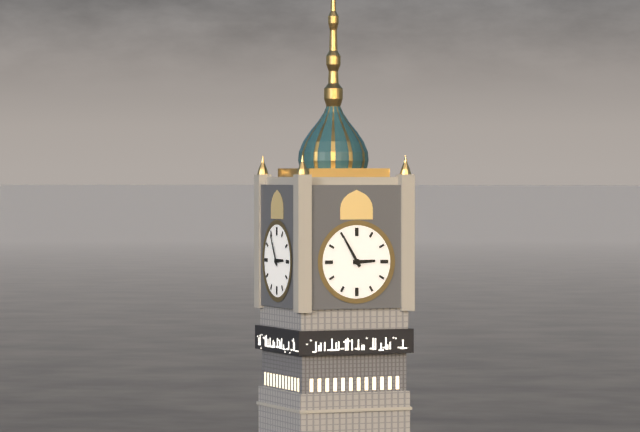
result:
2,55
